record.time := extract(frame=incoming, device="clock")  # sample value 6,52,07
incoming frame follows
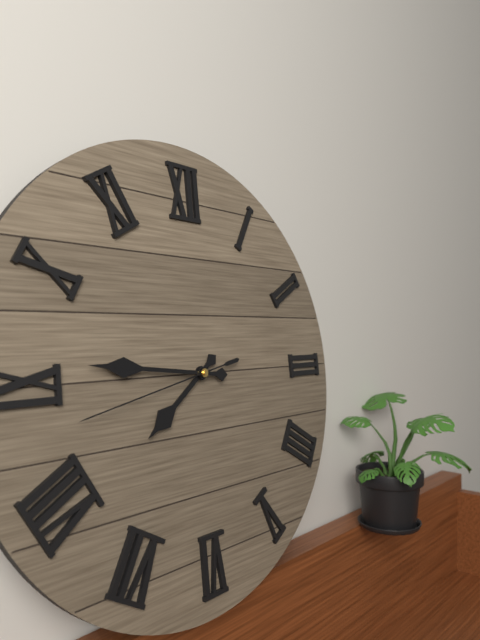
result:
7,46,43
